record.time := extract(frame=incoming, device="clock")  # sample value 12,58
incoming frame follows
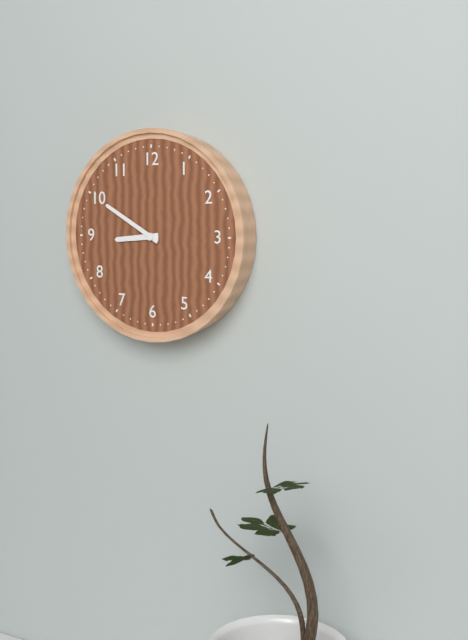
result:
8,50
